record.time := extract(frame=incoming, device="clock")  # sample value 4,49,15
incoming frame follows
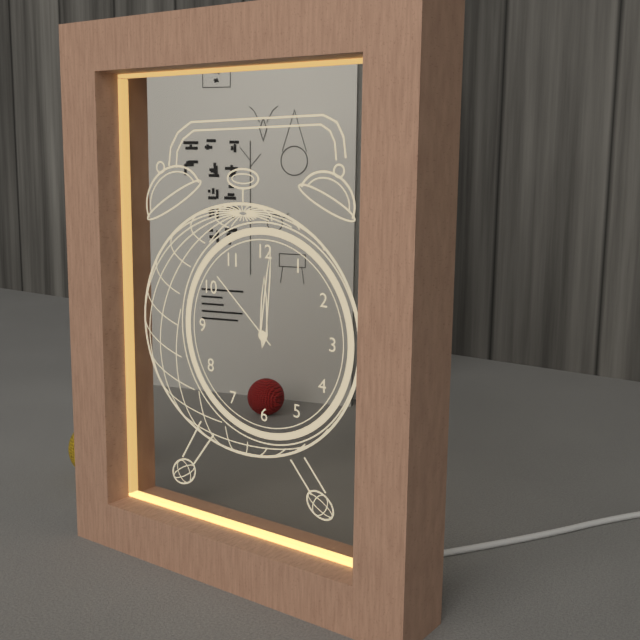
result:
12,01,52
